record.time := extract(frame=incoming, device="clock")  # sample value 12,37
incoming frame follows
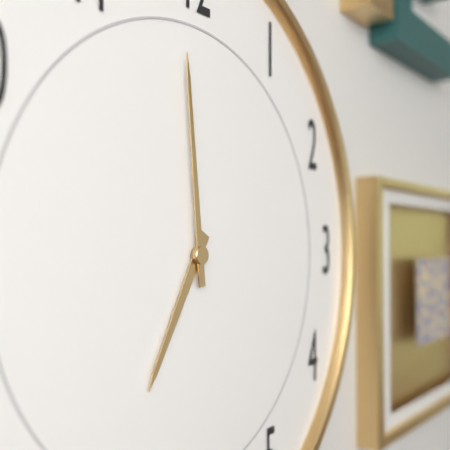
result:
6,59
